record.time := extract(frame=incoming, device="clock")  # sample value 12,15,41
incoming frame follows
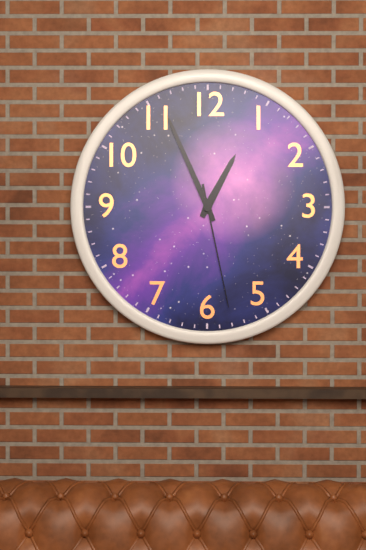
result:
12,56,28
